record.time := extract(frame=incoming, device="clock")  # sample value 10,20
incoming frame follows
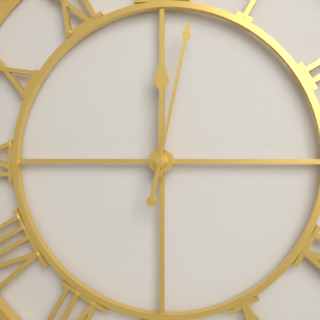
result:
12,02
